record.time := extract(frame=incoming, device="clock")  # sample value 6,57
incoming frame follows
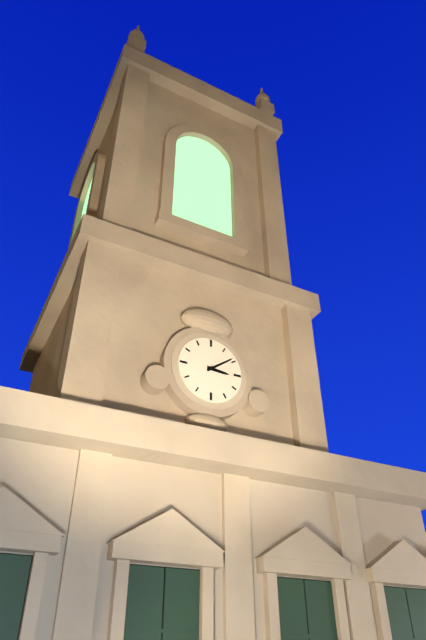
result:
3,09
